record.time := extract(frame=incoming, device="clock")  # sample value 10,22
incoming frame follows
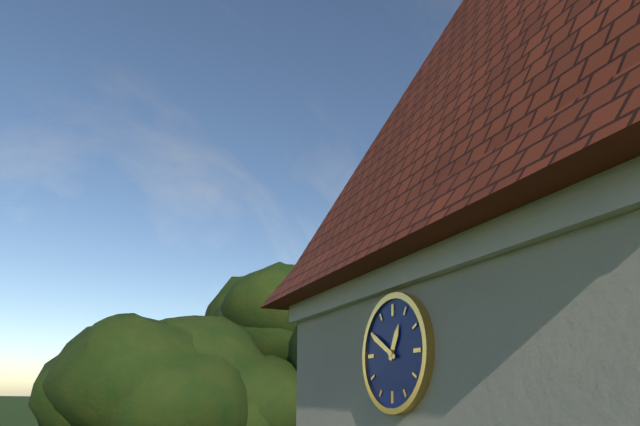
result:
12,50
